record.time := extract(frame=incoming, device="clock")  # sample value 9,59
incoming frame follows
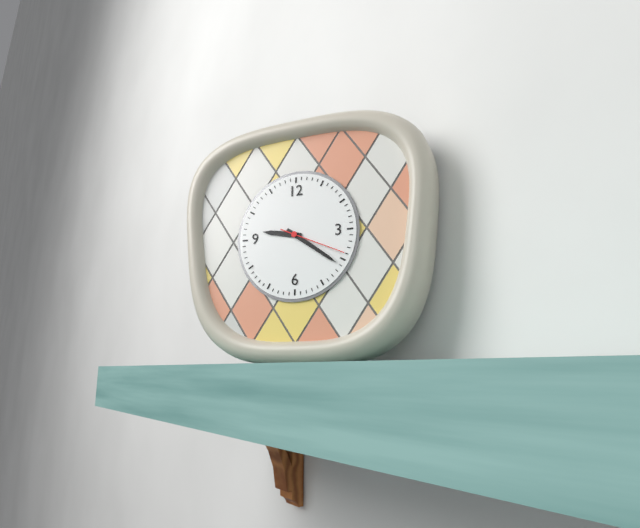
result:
9,21
